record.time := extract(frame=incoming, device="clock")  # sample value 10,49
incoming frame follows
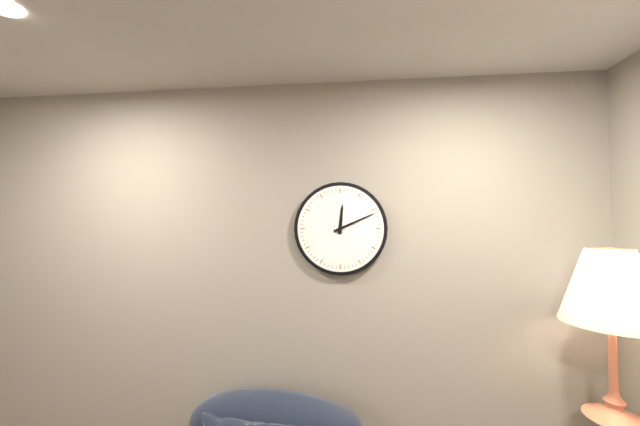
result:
12,11
